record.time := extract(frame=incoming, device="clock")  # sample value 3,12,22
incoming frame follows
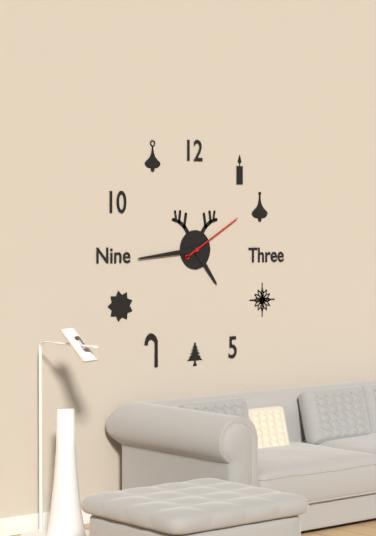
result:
4,44,10
